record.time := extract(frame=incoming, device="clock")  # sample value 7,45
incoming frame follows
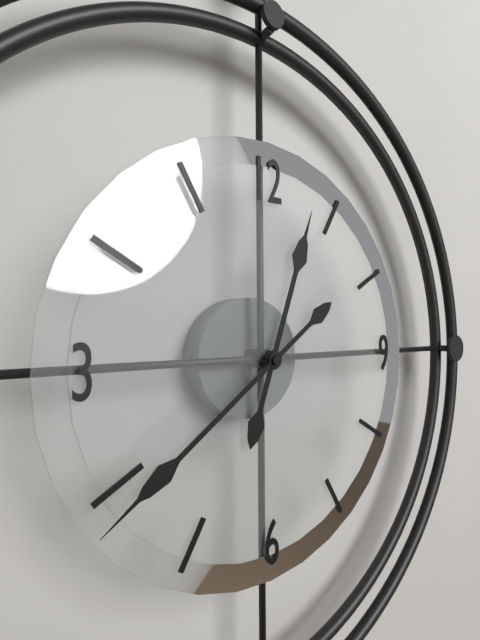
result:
12,39
